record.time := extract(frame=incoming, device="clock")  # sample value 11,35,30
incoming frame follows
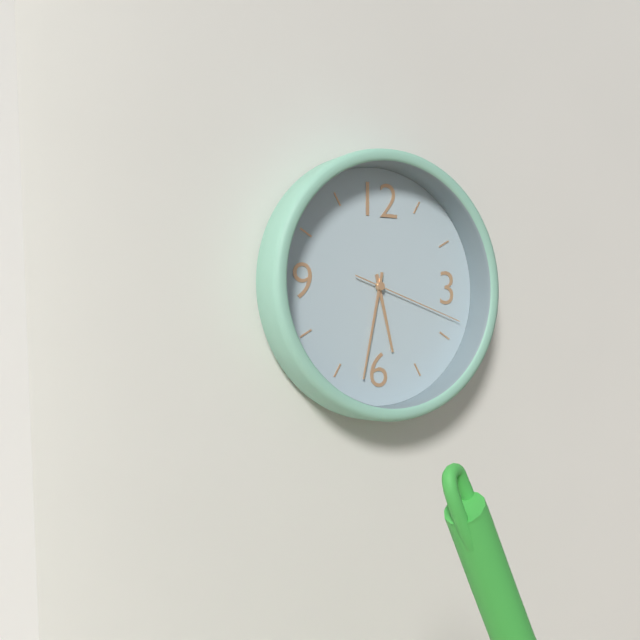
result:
5,32,18
